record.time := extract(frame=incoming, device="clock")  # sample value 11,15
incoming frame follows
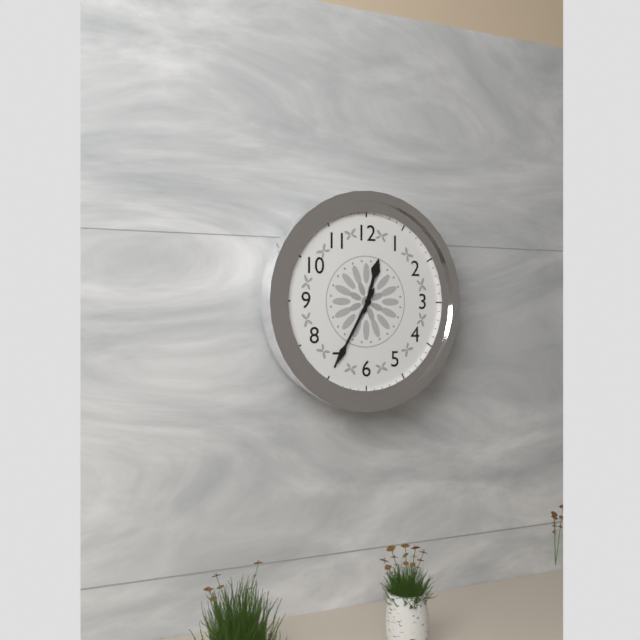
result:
12,35
